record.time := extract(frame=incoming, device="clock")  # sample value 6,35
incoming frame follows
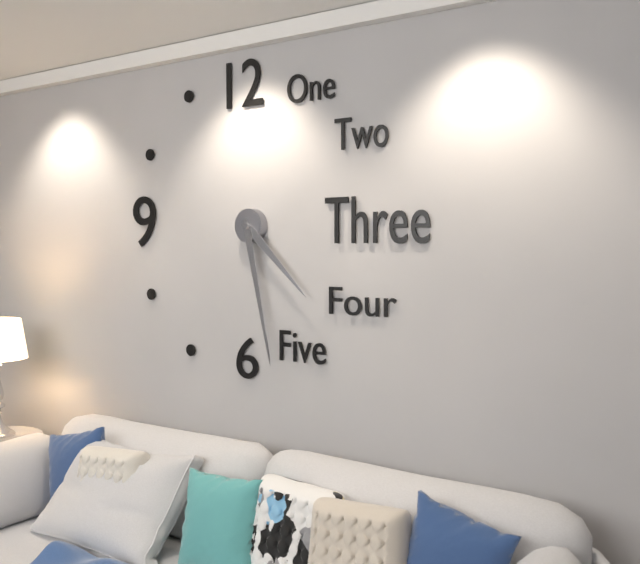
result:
4,28
